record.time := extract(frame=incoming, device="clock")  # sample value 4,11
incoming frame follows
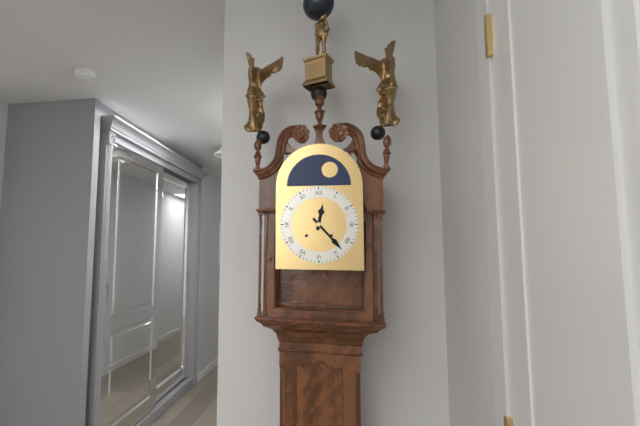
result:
12,23
